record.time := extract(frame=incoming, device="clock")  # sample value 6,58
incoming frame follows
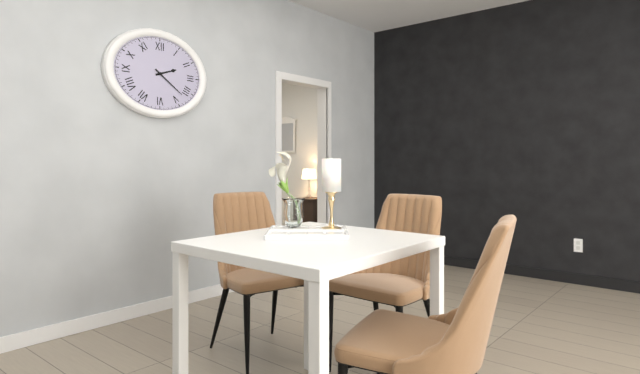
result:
2,21
